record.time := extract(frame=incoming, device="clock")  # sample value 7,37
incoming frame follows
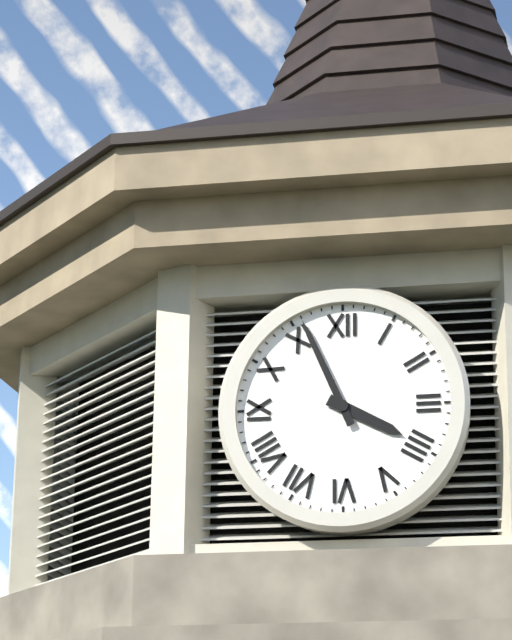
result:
3,56
